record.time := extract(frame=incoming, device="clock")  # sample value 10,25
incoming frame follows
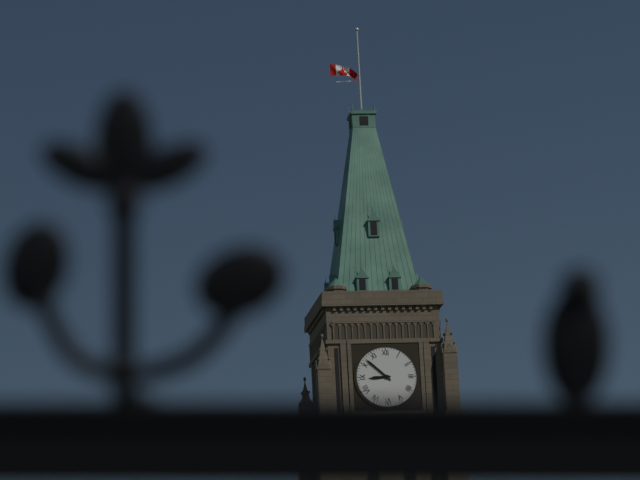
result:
8,52
